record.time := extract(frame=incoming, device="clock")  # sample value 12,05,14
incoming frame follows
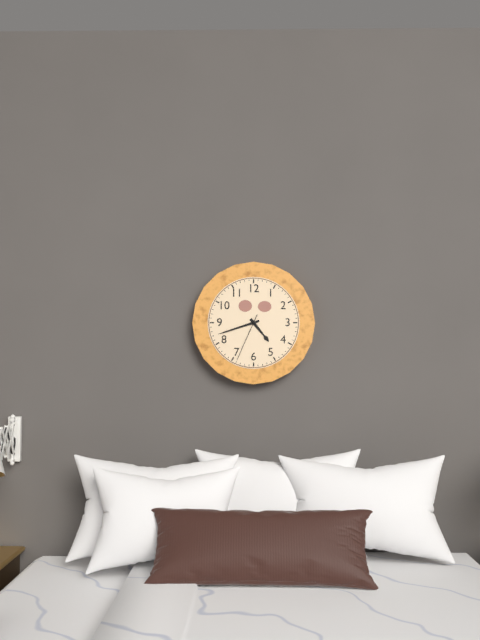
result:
4,42,34
